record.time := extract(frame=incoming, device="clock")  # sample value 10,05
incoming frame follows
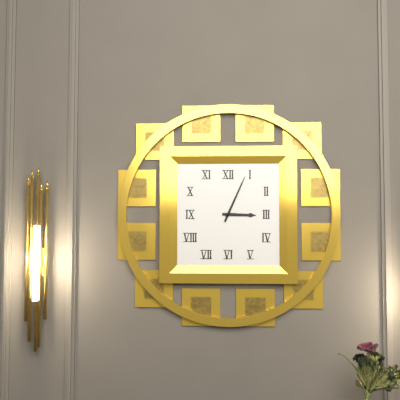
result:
3,04
